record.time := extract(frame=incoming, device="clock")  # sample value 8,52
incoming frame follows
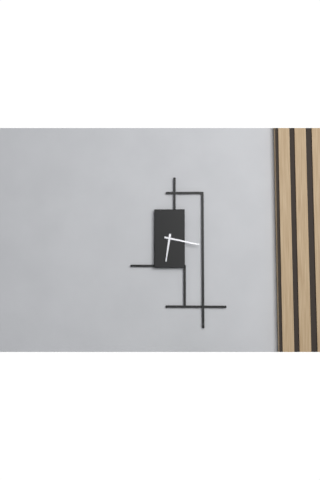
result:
6,17
